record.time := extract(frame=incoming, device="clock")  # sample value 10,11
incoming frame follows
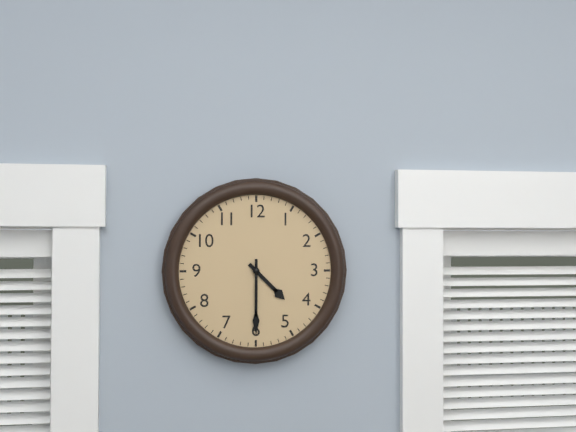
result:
4,30
